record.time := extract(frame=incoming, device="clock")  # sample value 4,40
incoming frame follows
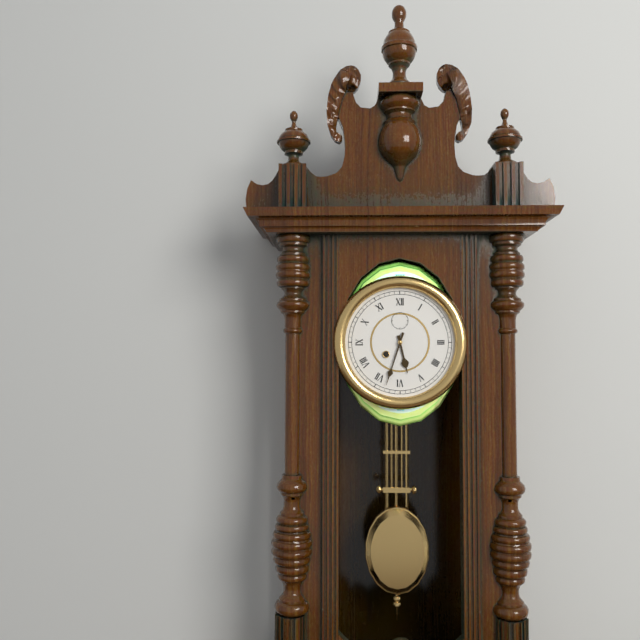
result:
5,33
